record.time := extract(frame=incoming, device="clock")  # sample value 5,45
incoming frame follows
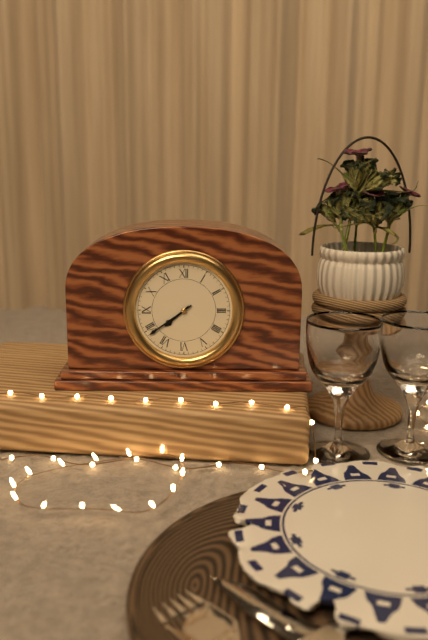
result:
7,39
